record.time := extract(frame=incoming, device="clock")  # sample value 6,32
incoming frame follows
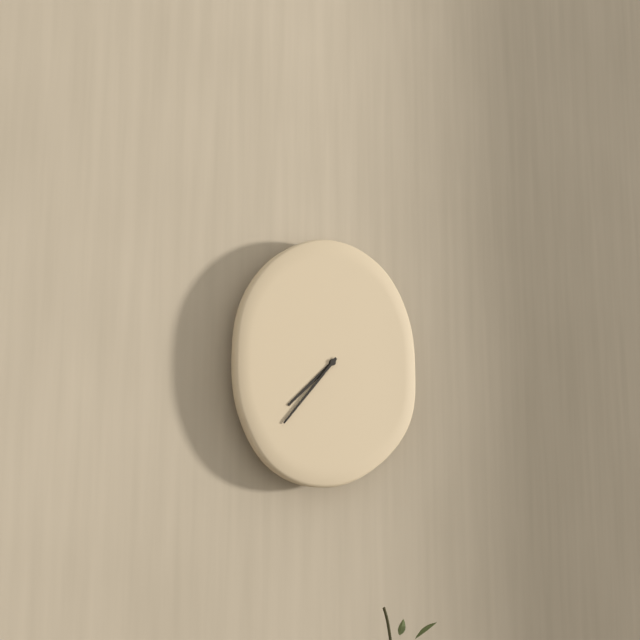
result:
7,37
